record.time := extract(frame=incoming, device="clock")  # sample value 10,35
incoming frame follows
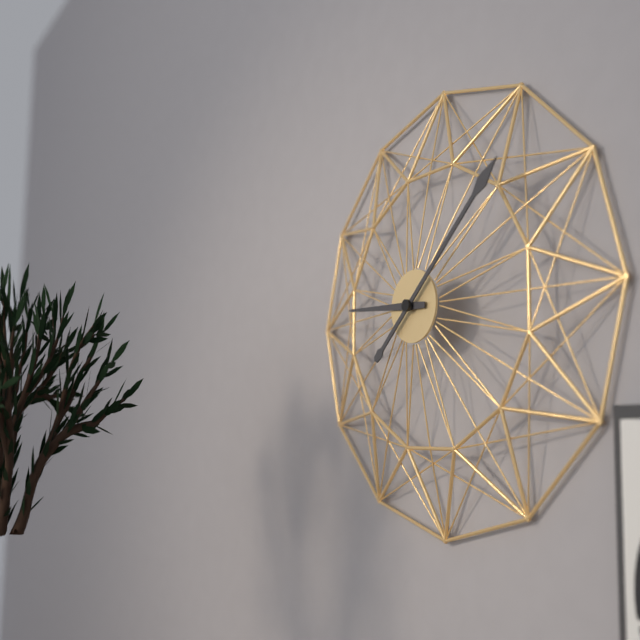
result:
9,08
